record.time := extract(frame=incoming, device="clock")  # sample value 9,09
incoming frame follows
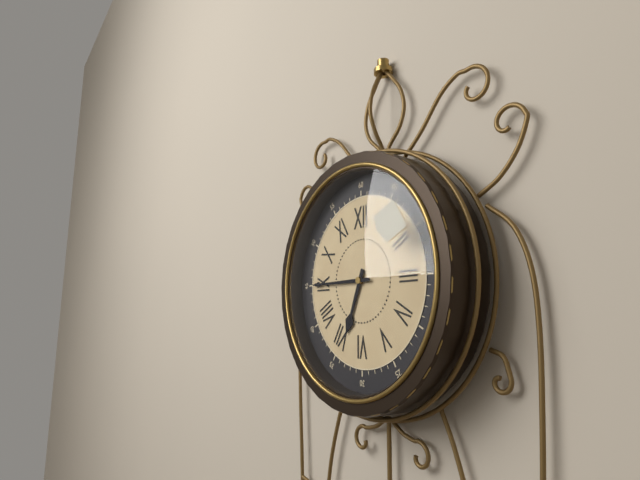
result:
6,45
